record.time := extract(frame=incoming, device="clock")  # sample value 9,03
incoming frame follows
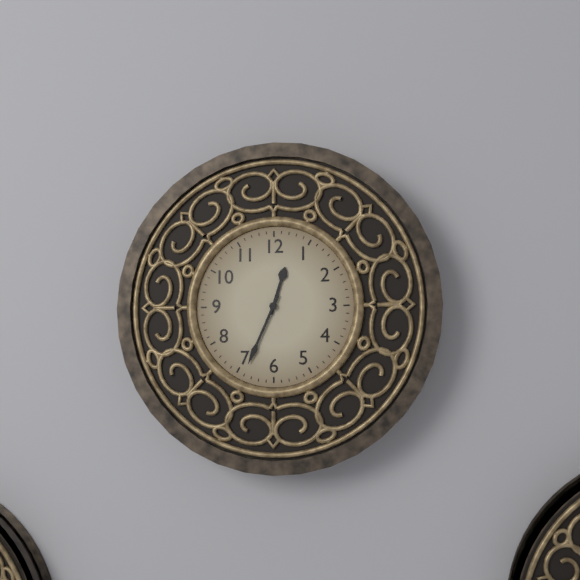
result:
12,34
